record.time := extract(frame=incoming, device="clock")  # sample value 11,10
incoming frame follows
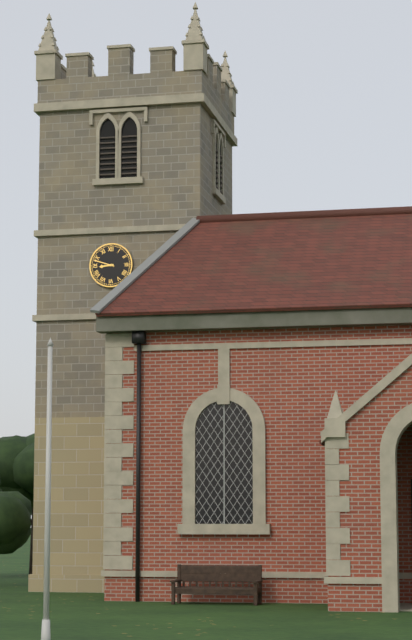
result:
8,48
